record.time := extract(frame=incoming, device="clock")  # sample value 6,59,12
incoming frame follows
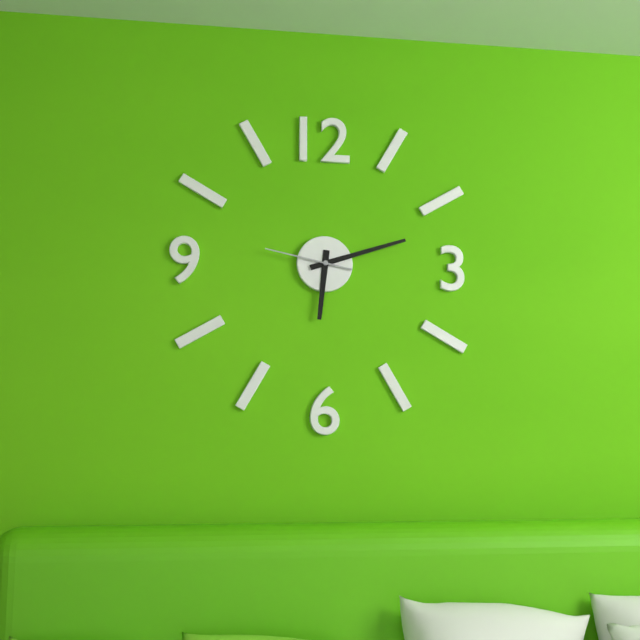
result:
6,12,47
